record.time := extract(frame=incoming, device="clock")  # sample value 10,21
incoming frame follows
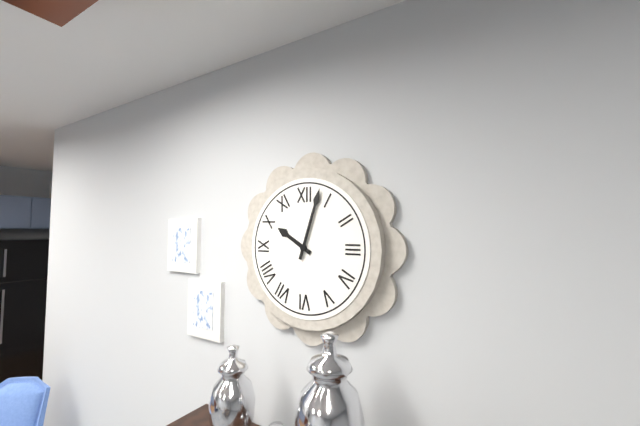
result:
10,03
